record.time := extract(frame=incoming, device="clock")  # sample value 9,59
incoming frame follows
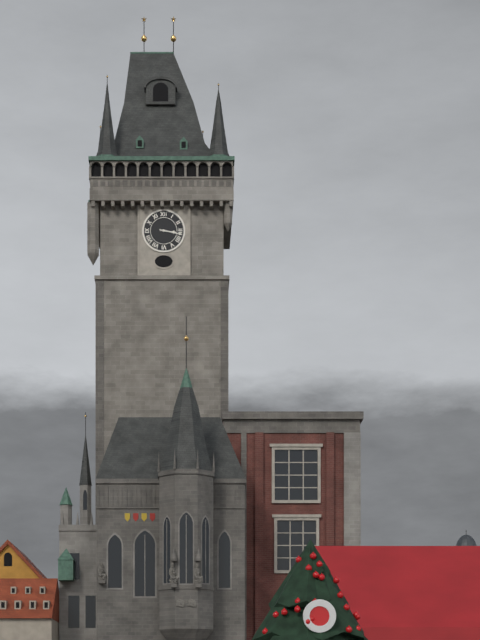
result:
3,17
